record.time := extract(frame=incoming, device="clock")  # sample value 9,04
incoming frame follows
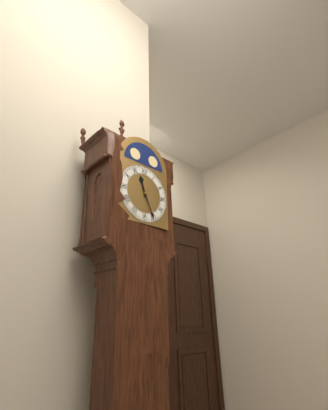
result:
11,26
